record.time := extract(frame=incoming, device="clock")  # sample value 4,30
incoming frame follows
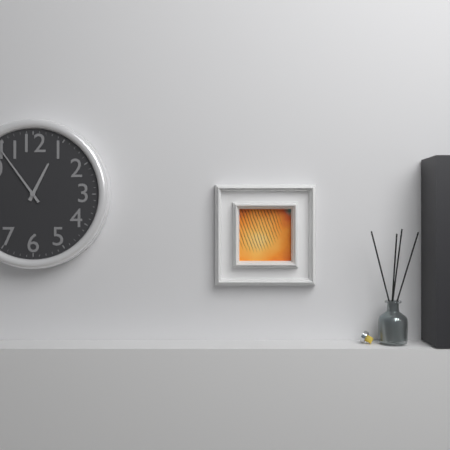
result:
12,54
